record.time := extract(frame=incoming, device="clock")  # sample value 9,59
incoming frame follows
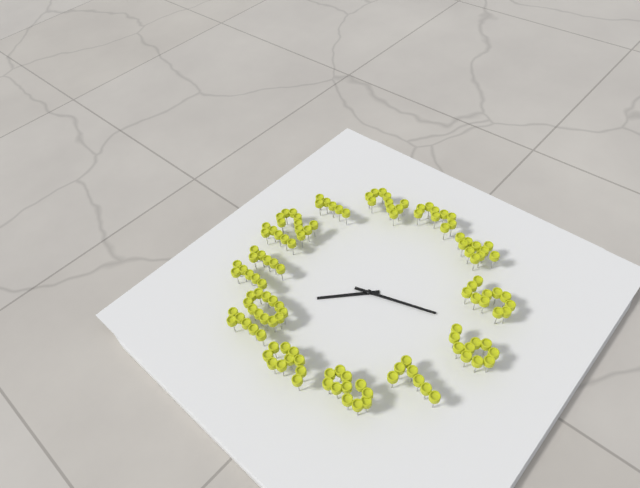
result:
10,27
